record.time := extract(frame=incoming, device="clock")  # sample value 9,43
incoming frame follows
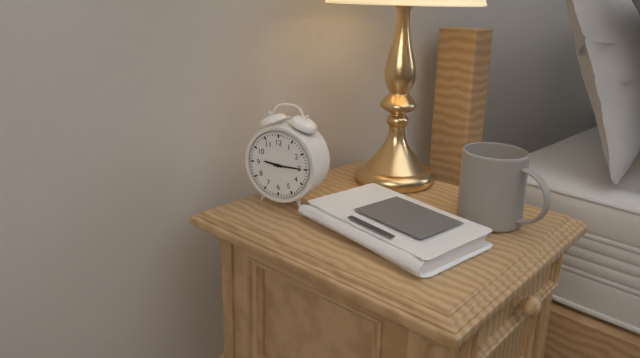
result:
9,15
